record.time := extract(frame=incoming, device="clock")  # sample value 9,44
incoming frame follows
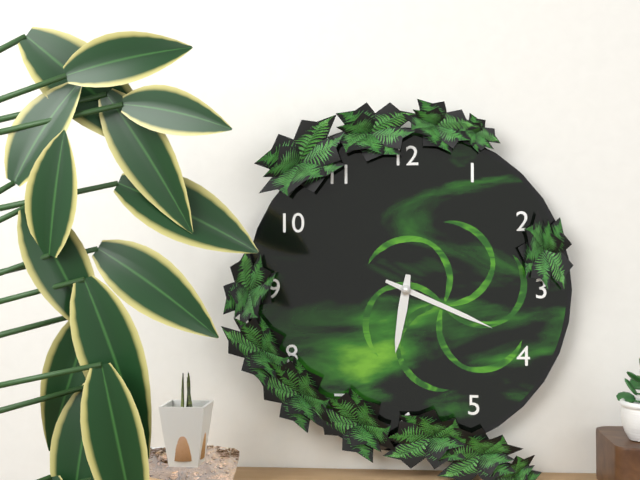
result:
6,19
